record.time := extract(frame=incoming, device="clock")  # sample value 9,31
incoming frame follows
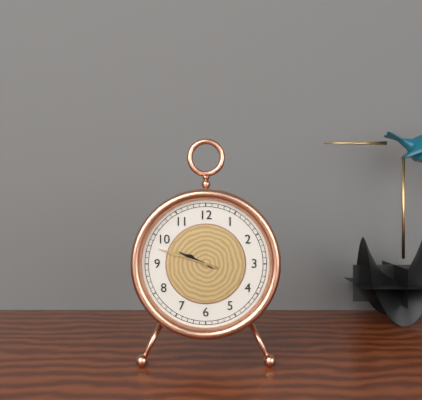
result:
9,48
